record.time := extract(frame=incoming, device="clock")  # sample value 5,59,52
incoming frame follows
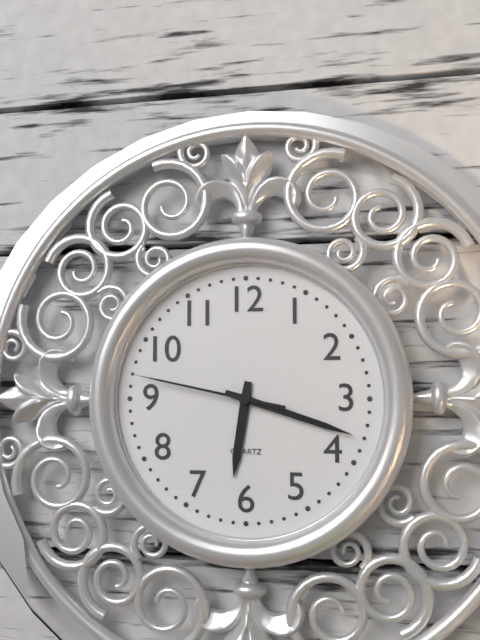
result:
6,18,47
